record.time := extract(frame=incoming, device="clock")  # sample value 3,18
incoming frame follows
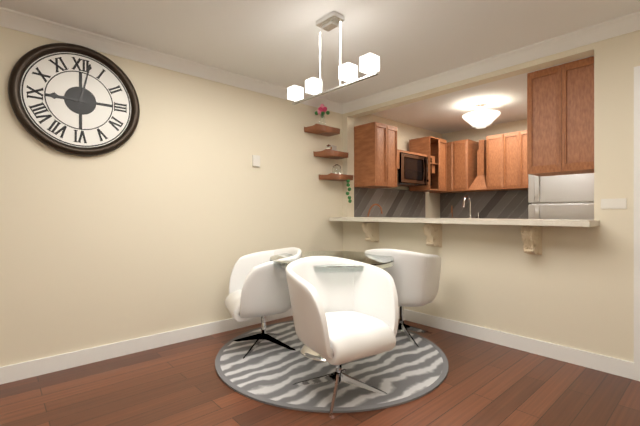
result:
9,02
